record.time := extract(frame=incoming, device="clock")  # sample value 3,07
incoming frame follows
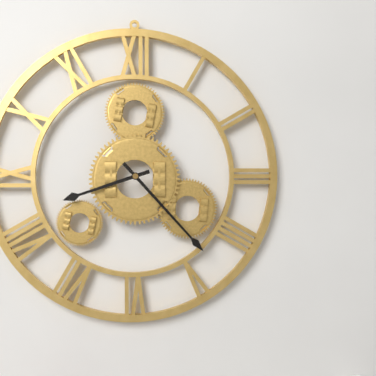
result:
8,23
